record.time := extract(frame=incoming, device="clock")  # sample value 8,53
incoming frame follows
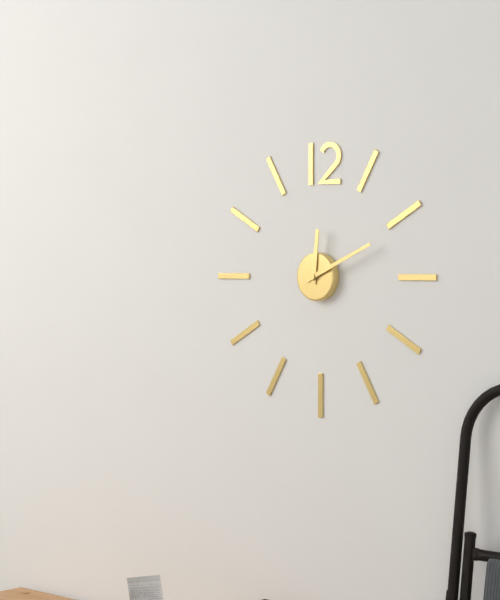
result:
12,11
